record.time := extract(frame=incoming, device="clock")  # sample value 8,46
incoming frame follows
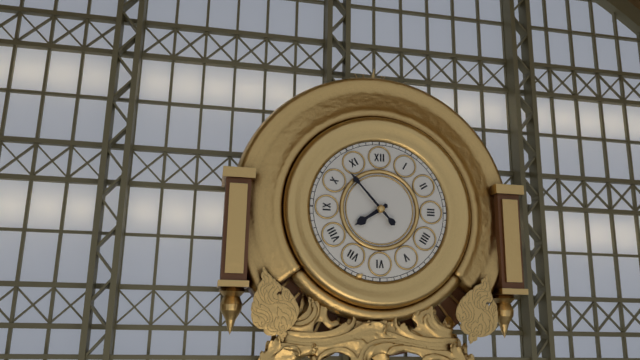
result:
7,53
